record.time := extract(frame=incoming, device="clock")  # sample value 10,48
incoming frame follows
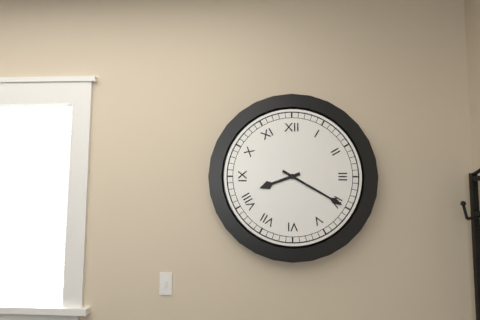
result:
8,20
